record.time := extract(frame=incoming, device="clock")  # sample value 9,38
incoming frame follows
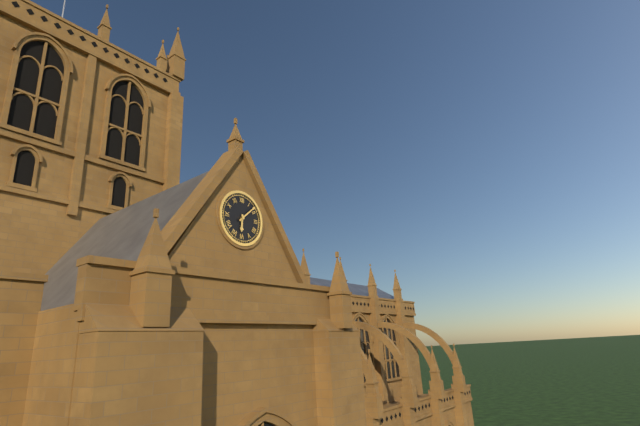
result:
6,08
